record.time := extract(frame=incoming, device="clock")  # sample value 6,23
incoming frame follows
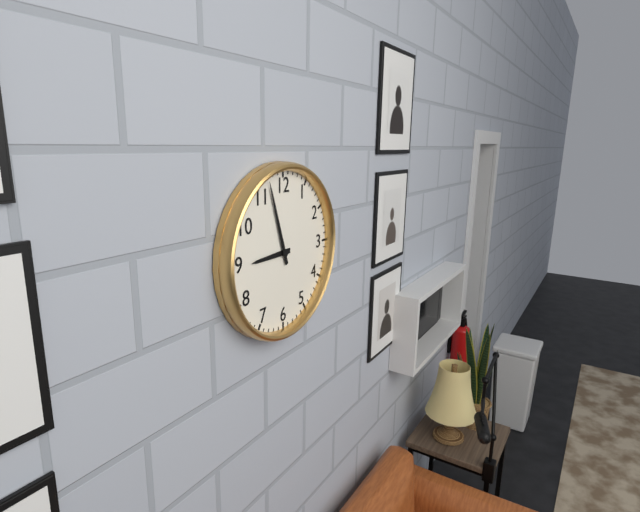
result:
8,57
